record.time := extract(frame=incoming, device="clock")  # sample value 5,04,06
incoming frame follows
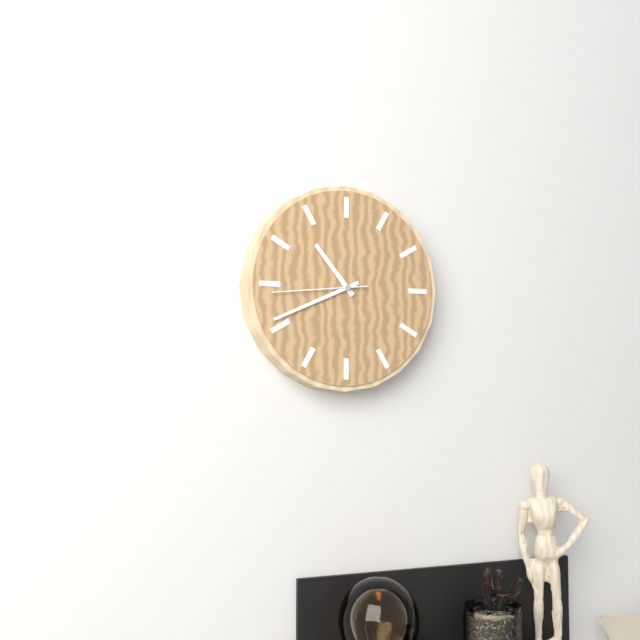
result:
10,41,44
